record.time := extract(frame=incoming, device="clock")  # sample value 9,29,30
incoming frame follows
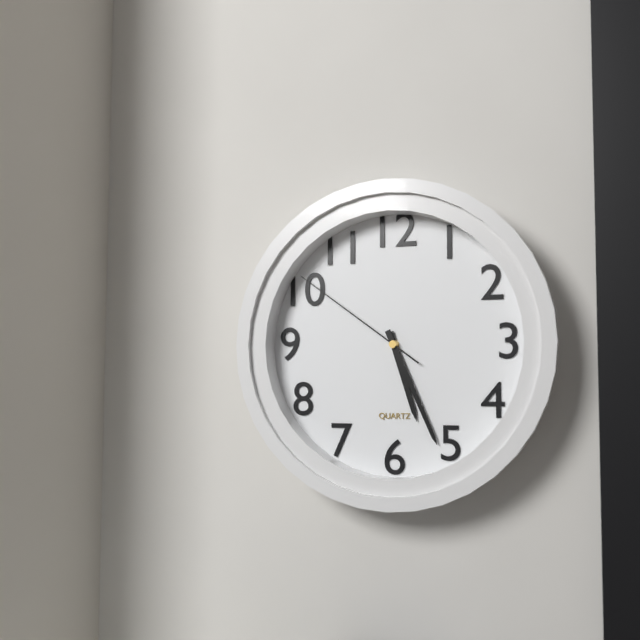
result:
5,26,51
